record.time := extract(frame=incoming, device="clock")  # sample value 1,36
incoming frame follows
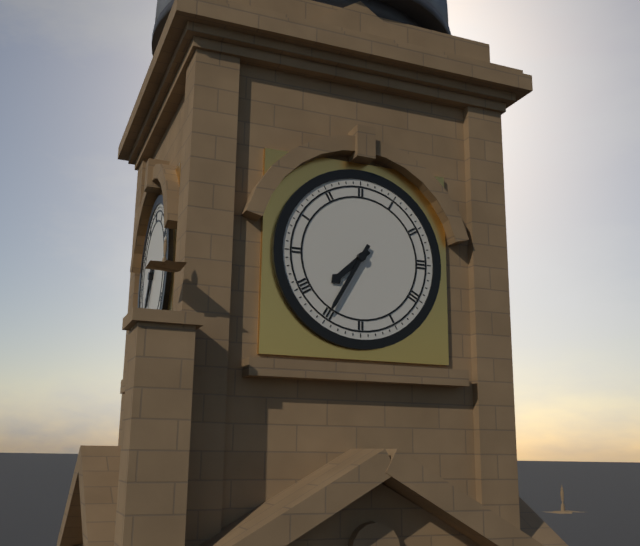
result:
7,35
